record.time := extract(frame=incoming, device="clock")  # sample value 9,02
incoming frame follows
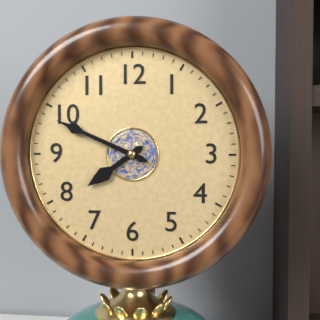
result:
7,49
